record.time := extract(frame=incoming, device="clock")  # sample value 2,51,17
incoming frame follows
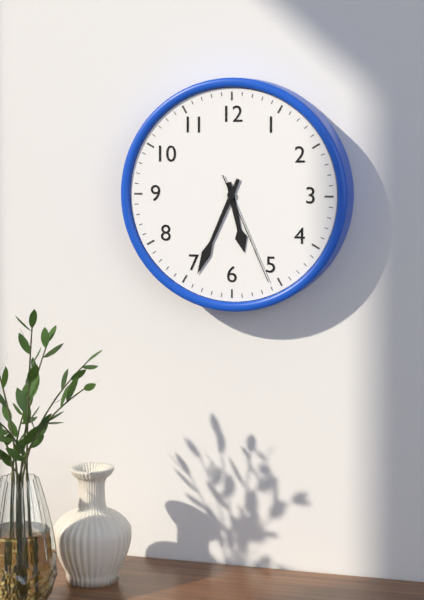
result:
5,34,26
